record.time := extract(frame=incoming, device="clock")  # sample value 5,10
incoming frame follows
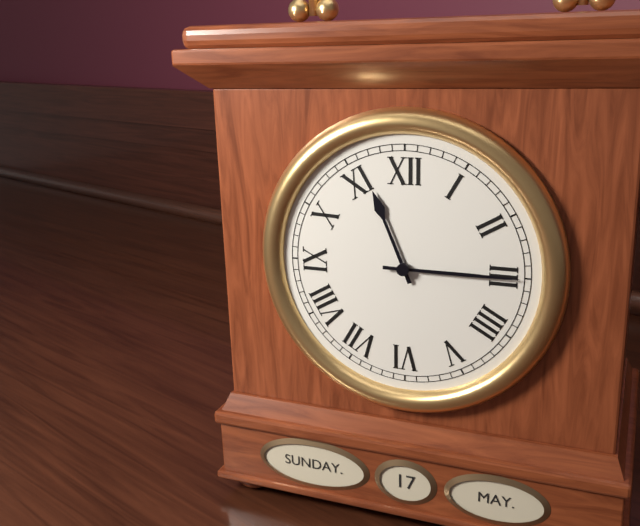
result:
11,15
